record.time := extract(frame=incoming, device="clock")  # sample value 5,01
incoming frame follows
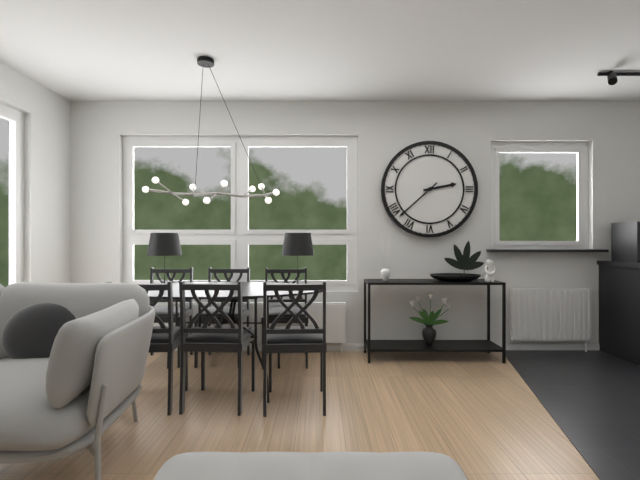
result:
2,38
